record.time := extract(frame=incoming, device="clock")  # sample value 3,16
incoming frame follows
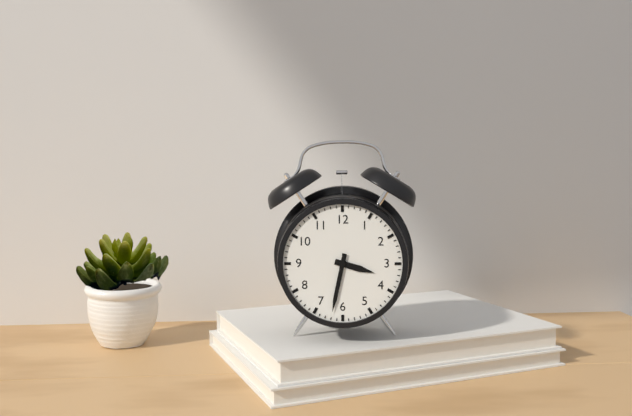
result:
3,32
